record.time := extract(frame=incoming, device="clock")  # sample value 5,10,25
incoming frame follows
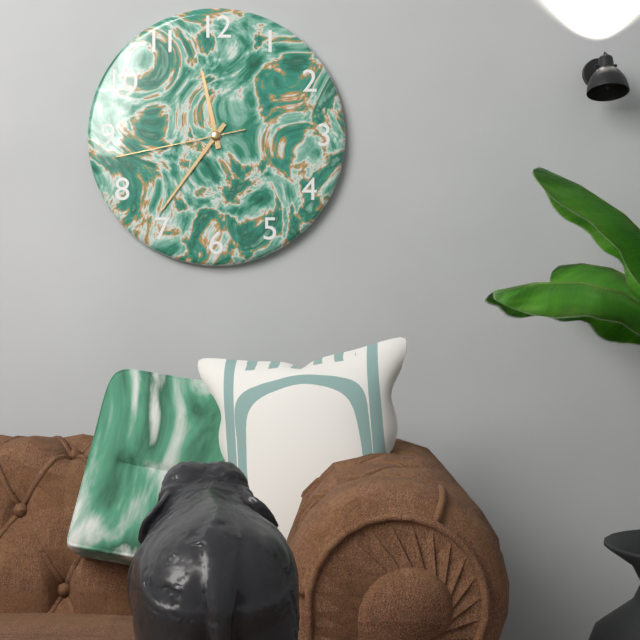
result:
11,36,43
